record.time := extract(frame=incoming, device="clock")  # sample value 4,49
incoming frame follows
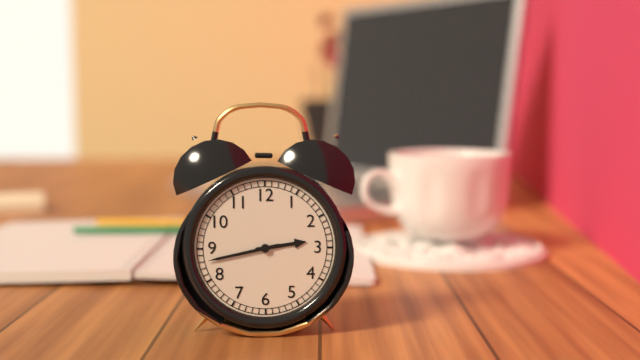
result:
2,43
